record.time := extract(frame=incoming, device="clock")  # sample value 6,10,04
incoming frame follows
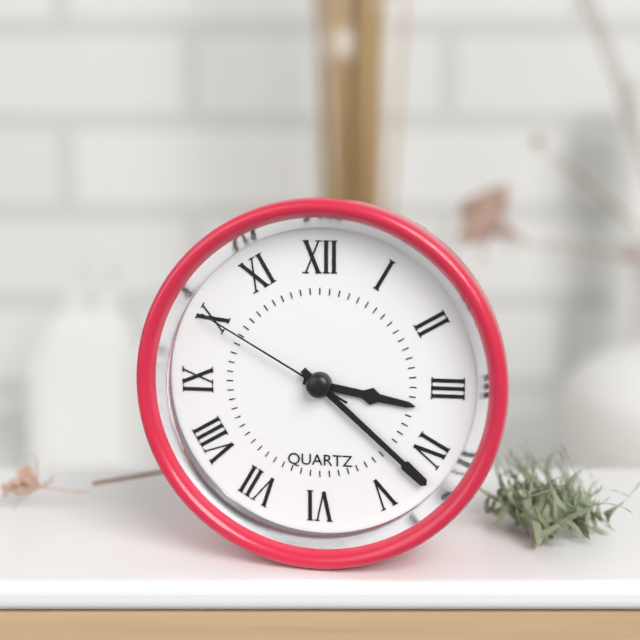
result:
3,22,50
